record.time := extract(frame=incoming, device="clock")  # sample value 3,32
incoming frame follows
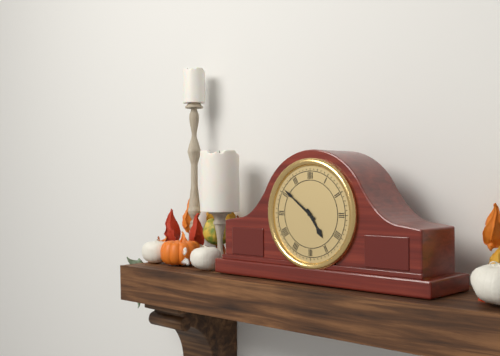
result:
4,51
